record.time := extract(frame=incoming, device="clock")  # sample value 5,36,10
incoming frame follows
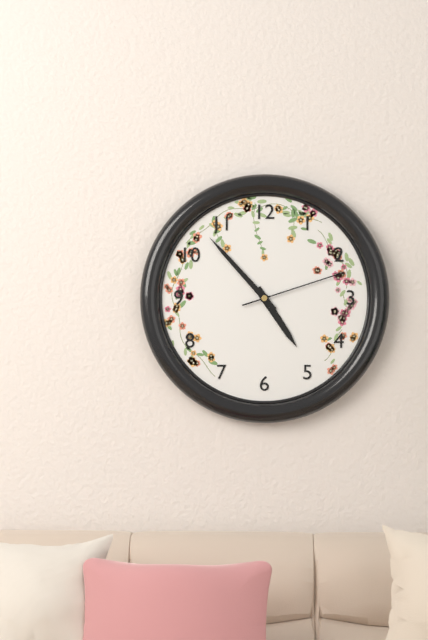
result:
4,53,12
